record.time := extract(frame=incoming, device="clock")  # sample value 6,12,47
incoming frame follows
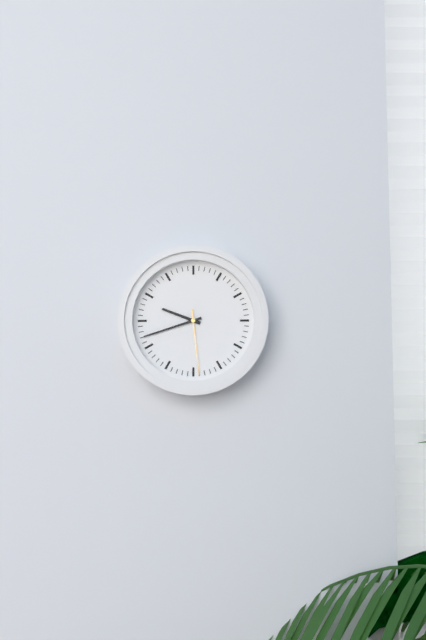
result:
9,42,29
